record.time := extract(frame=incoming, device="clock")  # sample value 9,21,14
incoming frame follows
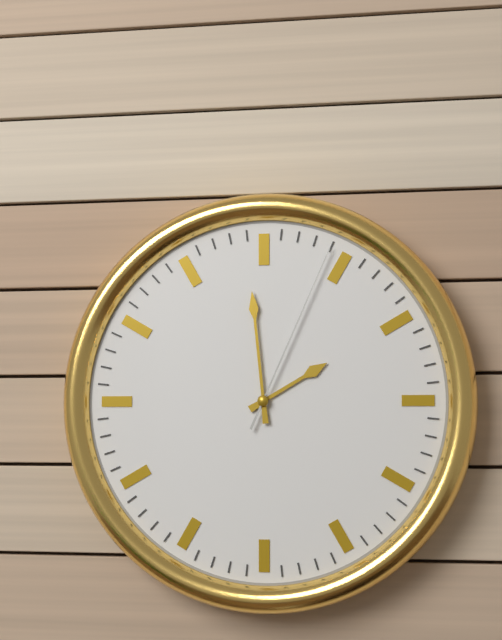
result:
1,59,04
